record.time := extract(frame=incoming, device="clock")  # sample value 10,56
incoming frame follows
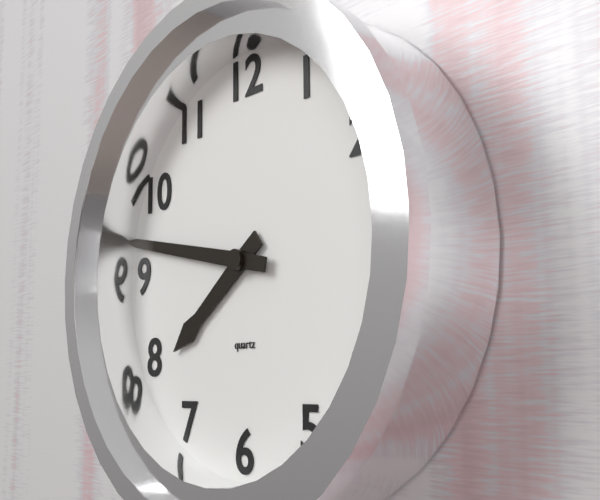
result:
7,47
